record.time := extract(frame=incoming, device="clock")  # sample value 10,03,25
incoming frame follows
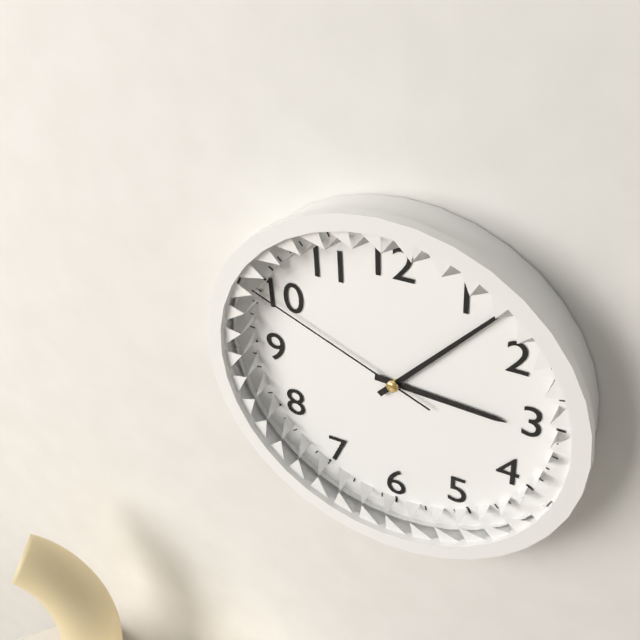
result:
3,07,49
